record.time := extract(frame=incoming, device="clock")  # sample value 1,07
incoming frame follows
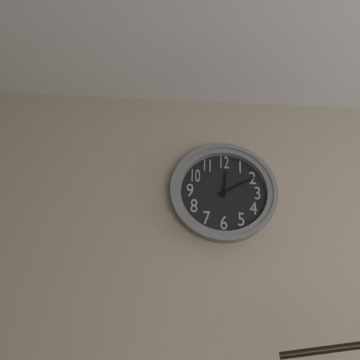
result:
12,10
